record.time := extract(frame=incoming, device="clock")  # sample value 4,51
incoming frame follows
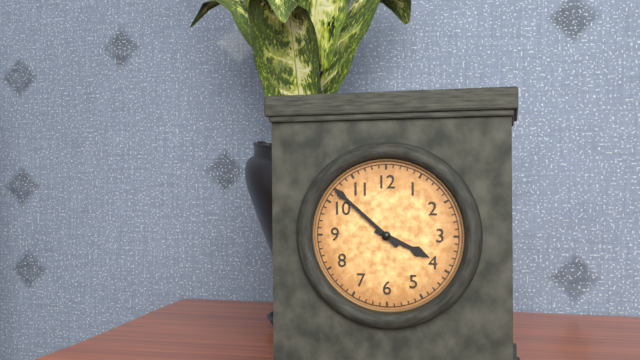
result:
3,52
